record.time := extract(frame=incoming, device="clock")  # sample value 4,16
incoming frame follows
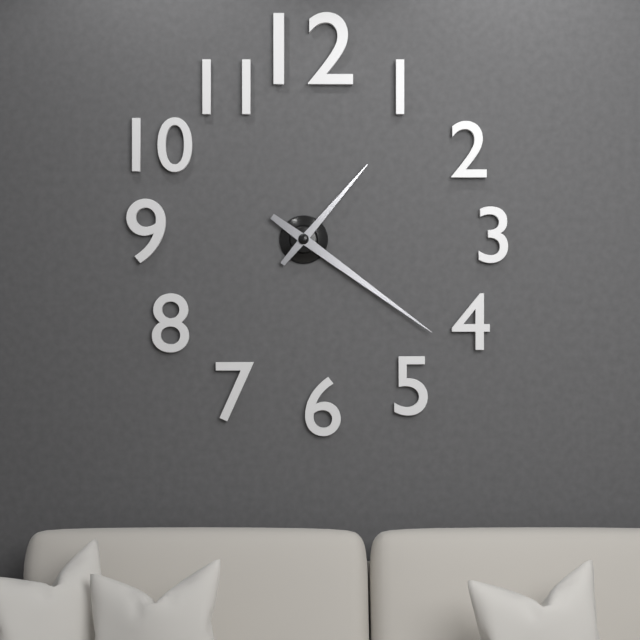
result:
1,21
